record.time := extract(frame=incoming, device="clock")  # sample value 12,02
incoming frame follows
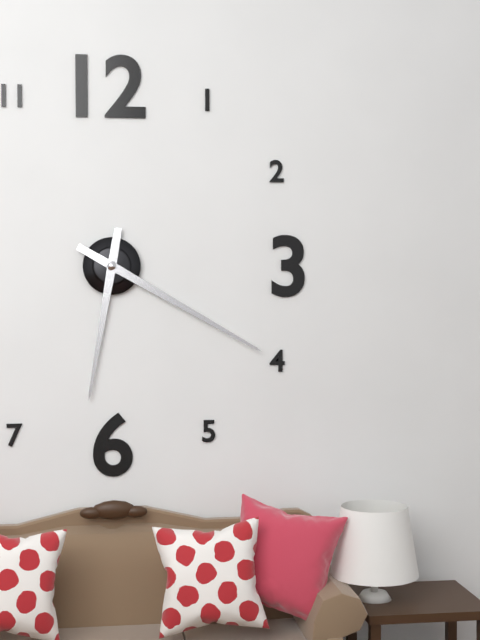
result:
6,20
